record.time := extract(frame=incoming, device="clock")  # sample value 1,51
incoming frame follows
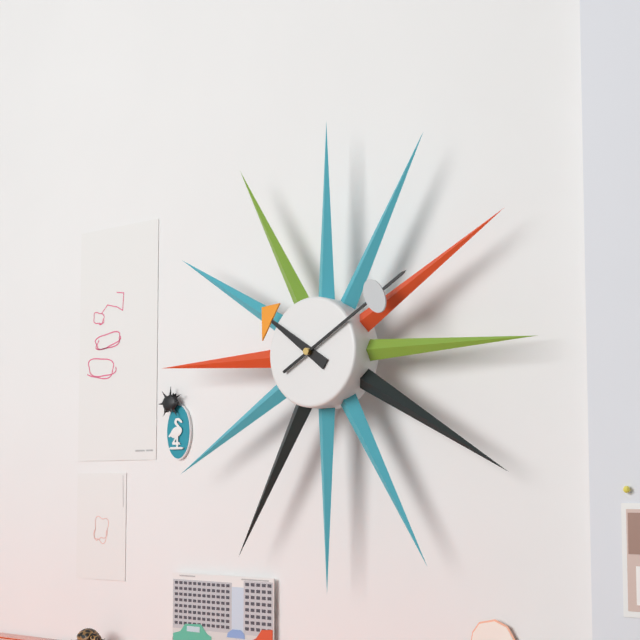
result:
10,10
